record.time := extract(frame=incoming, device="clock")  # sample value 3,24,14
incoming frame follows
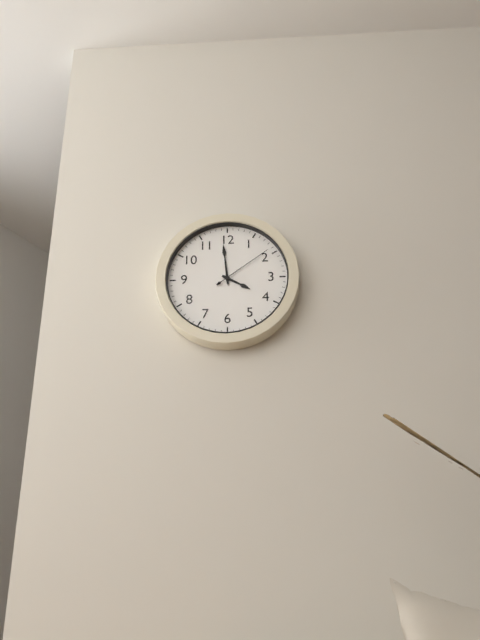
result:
3,59,09
